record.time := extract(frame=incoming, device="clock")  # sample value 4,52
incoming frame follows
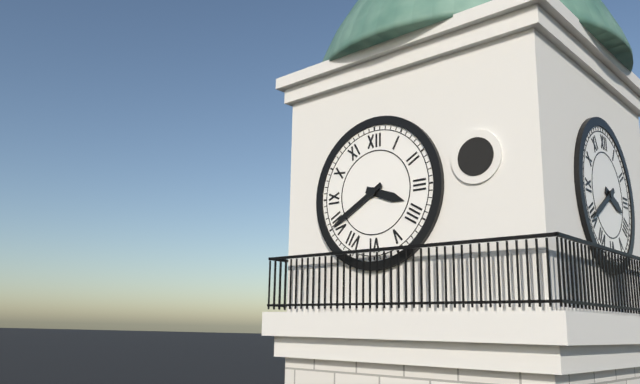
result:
3,40
